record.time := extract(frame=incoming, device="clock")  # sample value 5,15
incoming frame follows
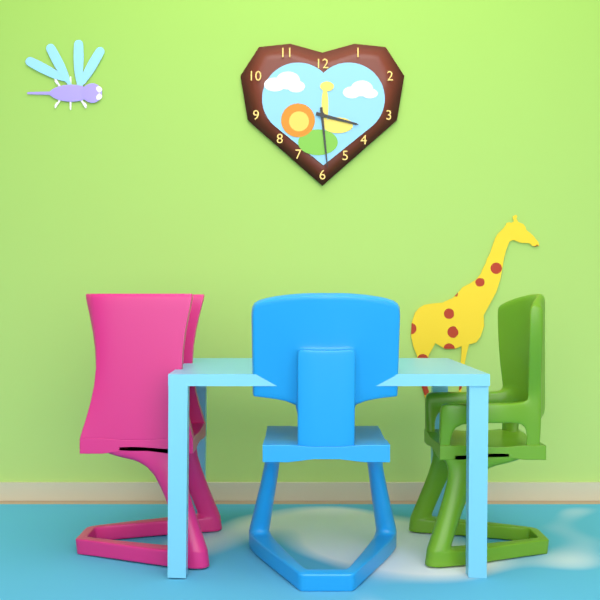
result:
3,29
